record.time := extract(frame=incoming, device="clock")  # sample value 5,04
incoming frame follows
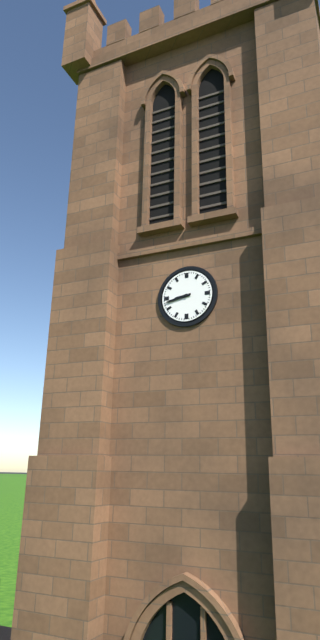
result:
8,43
